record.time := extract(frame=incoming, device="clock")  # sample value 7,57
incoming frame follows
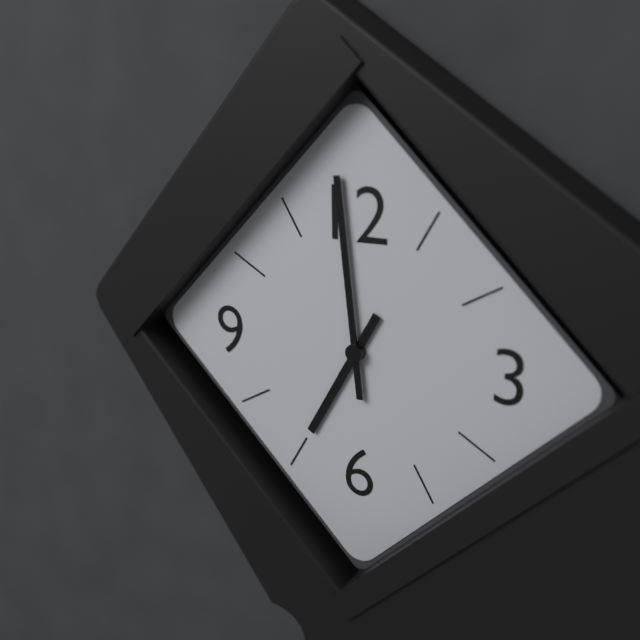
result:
6,59
